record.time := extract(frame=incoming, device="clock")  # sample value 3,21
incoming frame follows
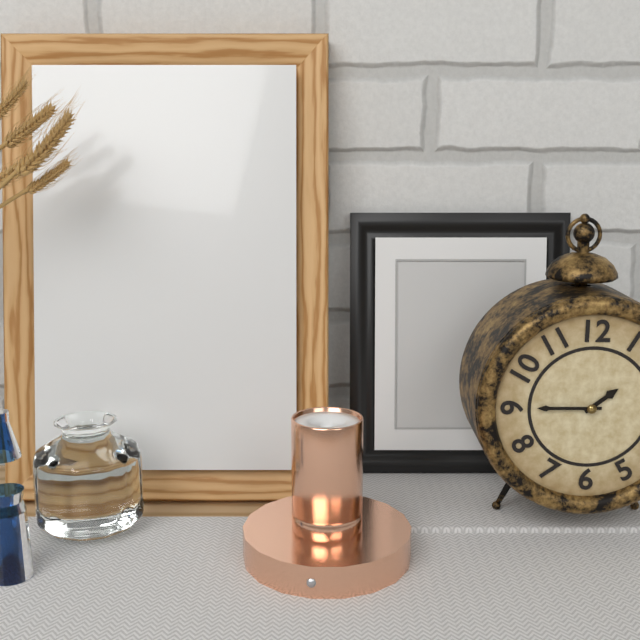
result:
1,45
